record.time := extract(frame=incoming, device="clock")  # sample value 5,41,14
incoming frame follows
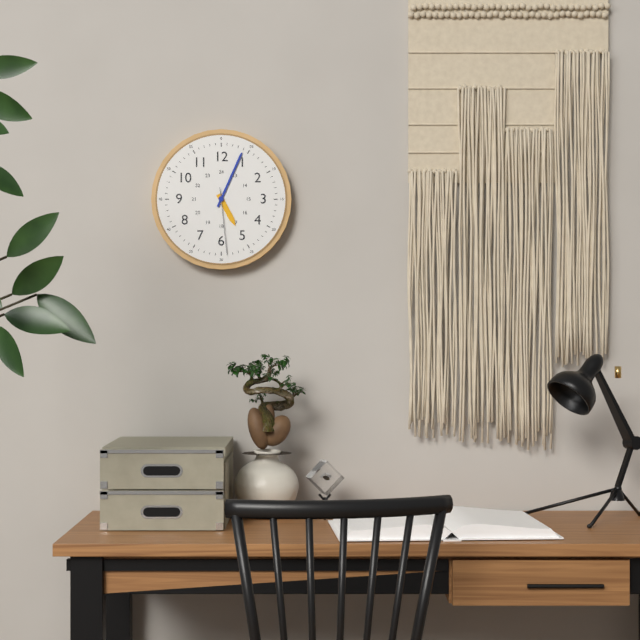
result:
5,04,29
